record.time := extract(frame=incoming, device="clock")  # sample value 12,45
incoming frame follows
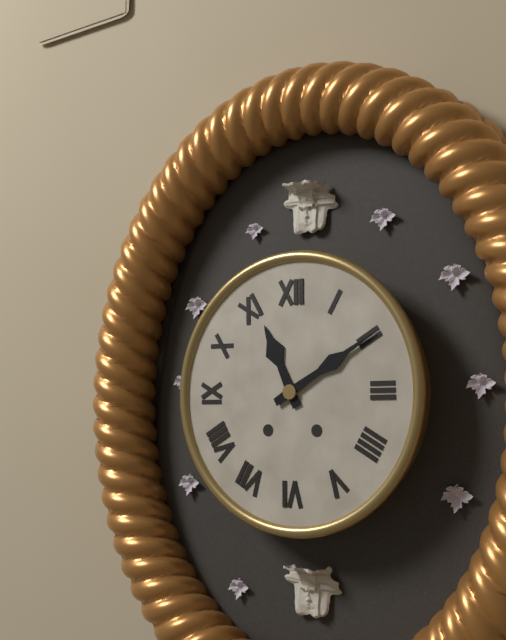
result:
11,10
